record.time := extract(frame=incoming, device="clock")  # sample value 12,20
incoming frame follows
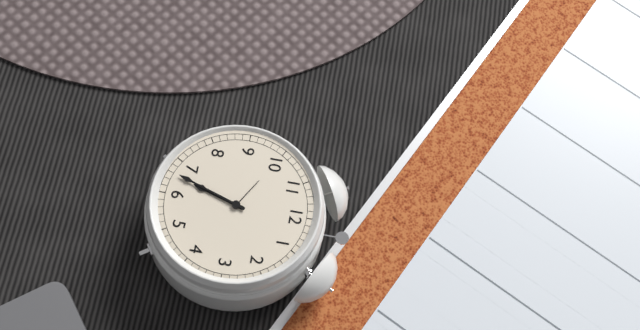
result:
6,33
